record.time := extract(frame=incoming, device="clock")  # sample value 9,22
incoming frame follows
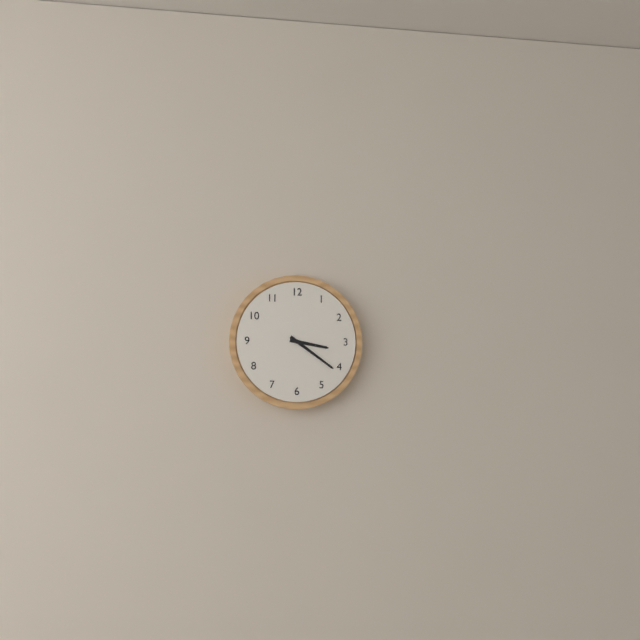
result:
3,21
